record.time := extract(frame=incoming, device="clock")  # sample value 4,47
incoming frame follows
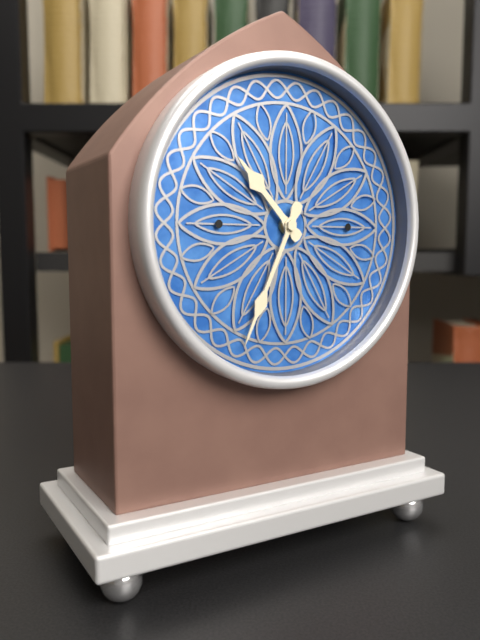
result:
10,34
